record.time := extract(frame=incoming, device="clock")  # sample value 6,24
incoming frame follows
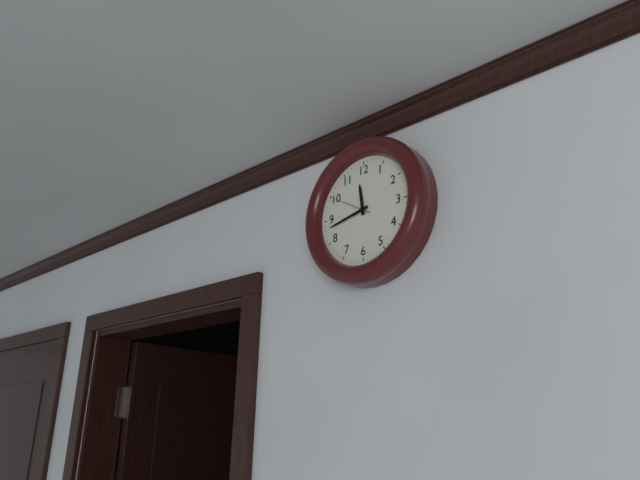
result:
11,43
